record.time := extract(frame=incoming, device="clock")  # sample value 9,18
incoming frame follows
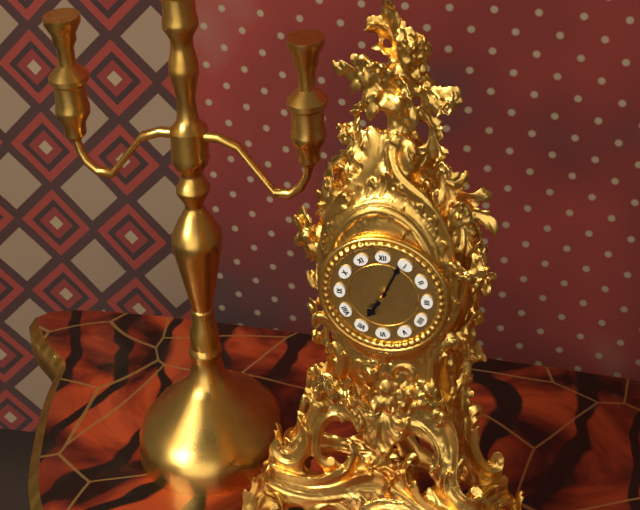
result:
7,04
